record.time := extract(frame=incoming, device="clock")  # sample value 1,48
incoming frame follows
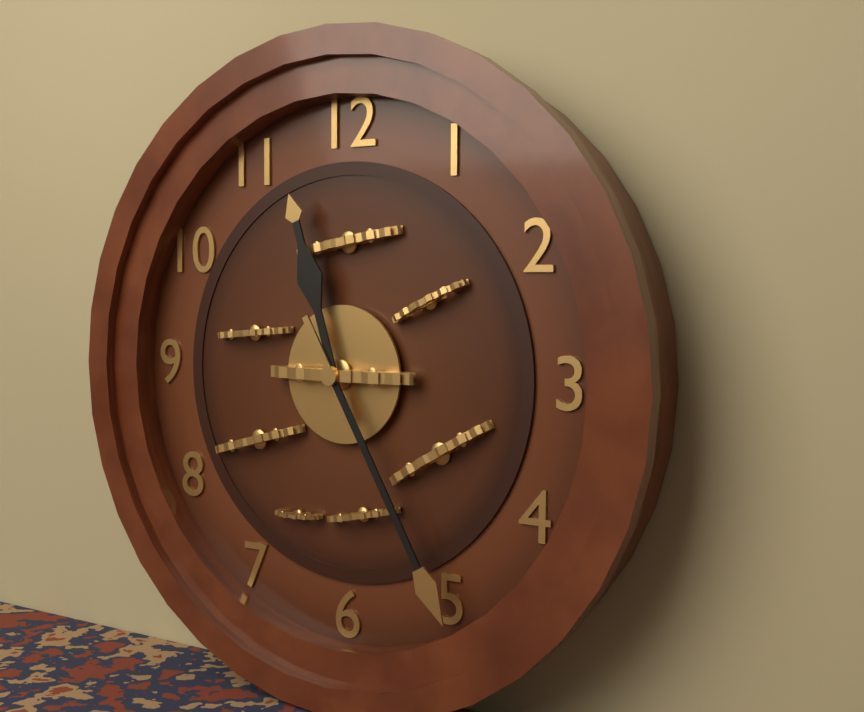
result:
11,25
